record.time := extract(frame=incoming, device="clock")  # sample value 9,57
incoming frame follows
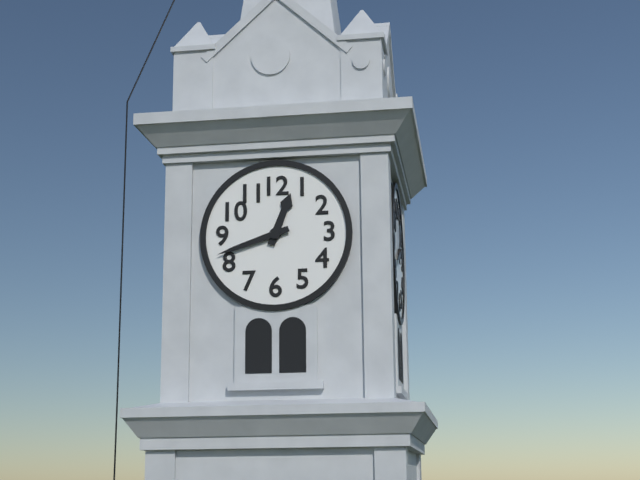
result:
12,42
